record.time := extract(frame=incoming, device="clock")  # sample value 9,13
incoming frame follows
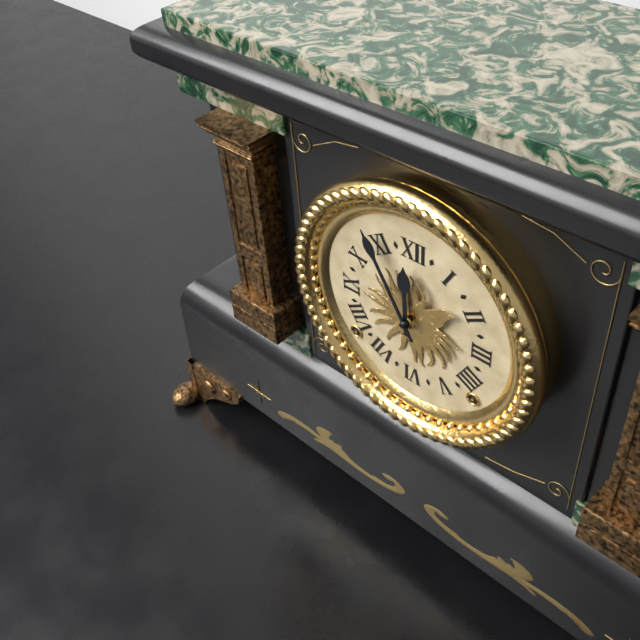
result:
11,55
